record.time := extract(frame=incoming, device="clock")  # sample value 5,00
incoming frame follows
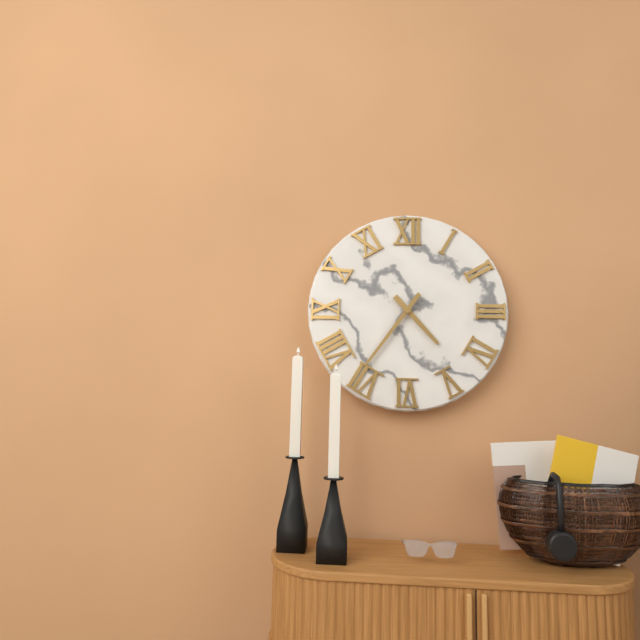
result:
4,36
